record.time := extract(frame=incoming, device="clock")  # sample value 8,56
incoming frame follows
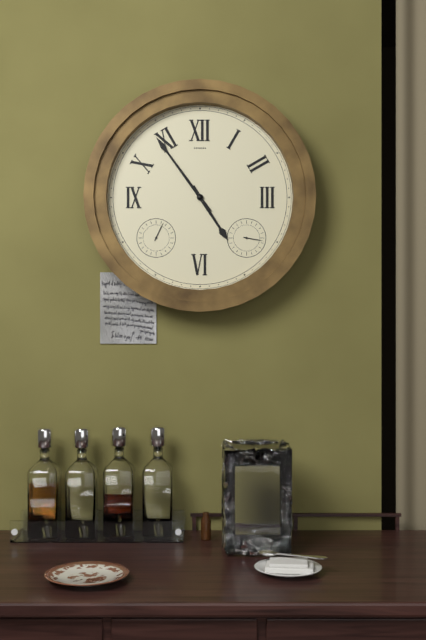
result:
4,54
